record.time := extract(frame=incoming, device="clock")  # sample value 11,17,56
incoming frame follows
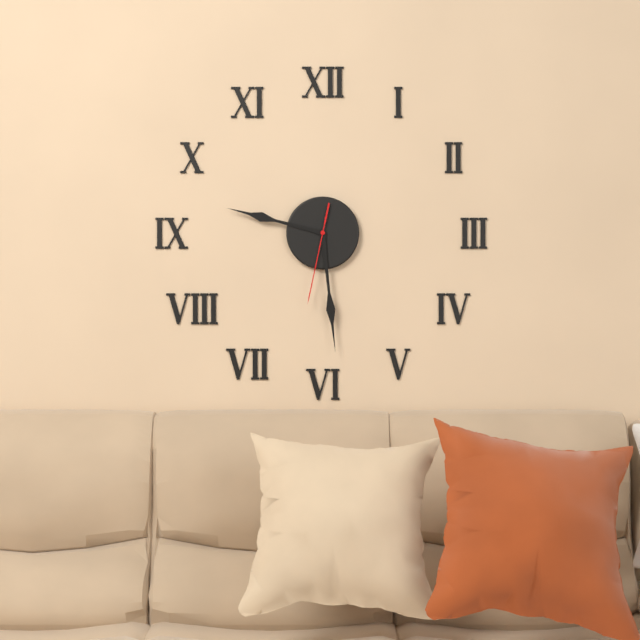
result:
9,29,32
